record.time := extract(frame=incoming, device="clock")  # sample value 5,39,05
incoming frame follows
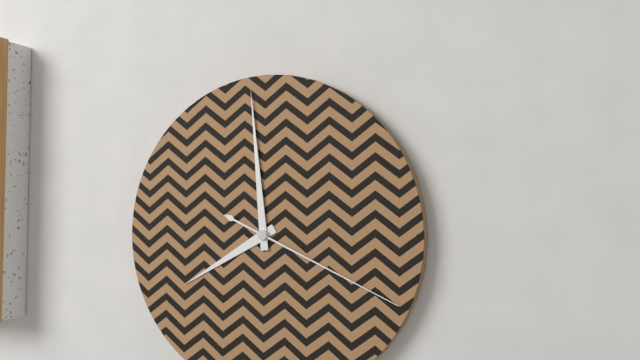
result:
7,59,19
